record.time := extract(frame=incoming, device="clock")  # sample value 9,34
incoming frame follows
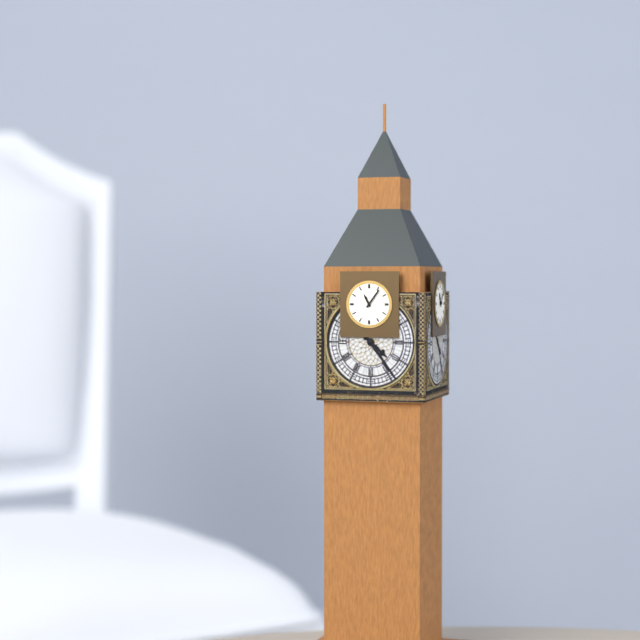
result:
11,06
